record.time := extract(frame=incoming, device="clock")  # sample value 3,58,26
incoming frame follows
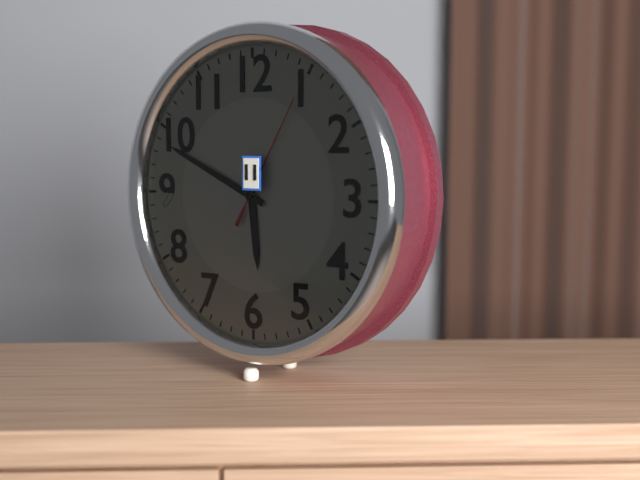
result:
5,49,05
